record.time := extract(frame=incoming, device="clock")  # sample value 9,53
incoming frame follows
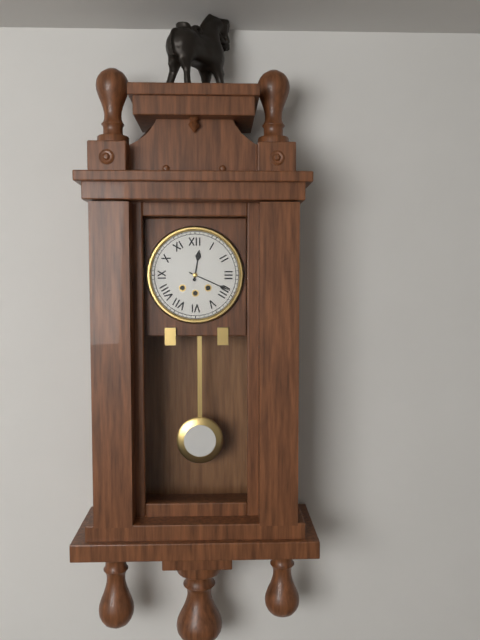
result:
12,19
